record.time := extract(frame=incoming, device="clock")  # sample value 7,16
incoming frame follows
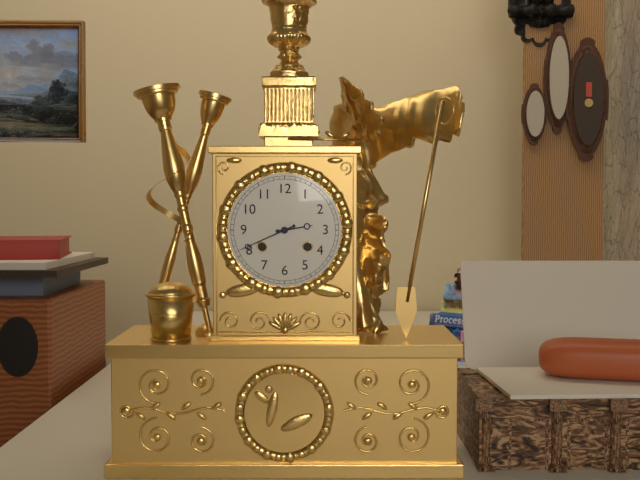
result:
2,41
